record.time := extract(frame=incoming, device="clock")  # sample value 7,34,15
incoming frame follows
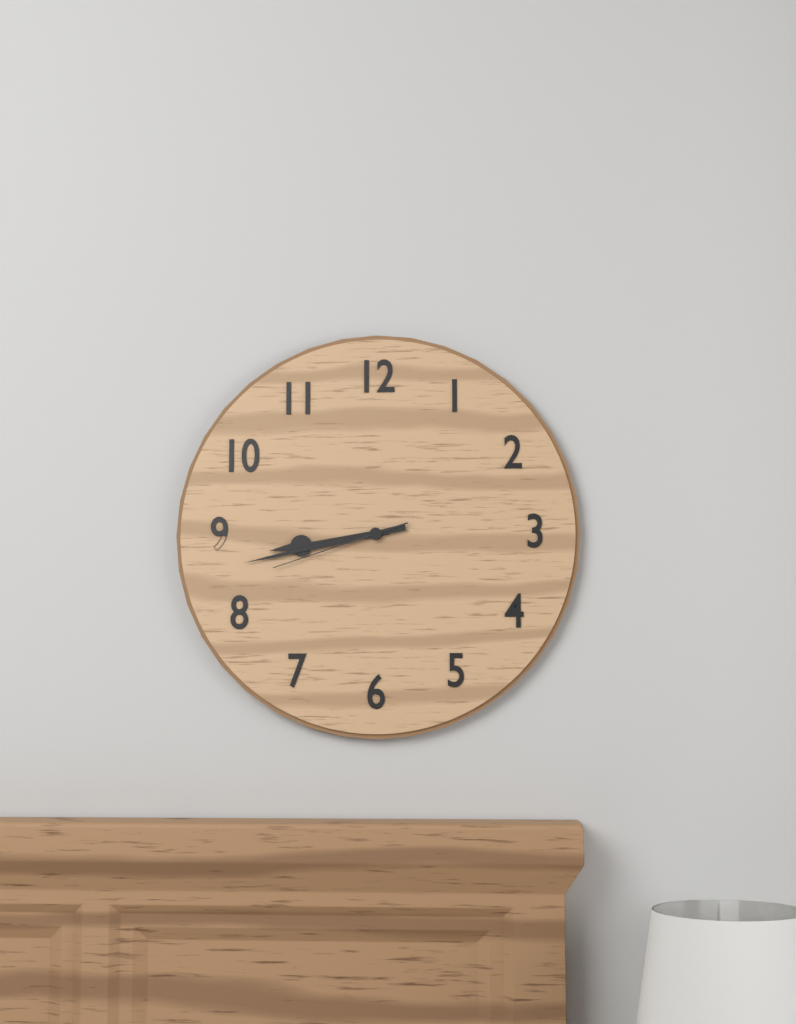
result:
8,43,42
